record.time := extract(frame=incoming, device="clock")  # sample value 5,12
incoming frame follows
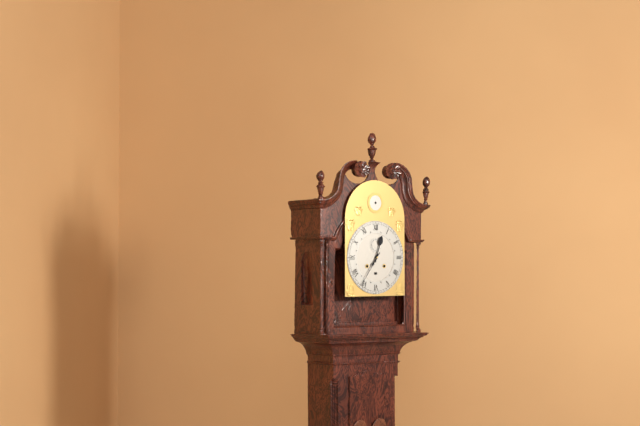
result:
12,36
